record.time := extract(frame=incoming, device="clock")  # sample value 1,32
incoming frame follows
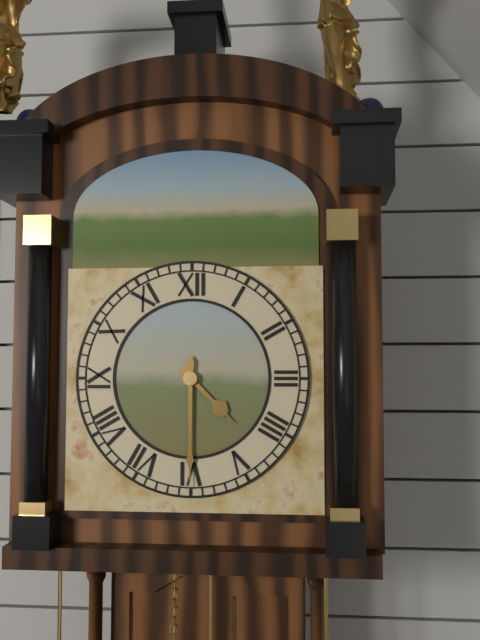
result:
4,30
